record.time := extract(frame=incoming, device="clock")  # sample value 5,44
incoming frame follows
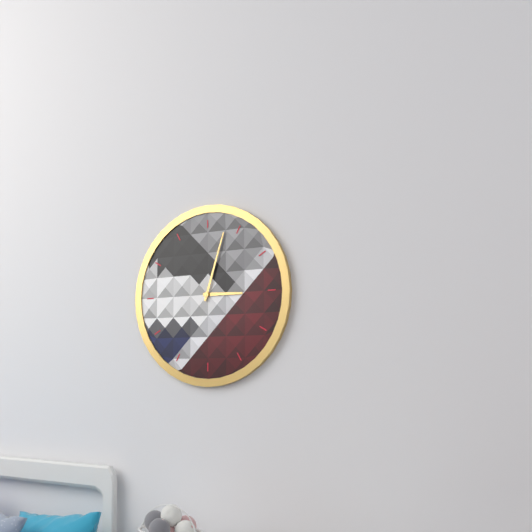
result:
3,03
